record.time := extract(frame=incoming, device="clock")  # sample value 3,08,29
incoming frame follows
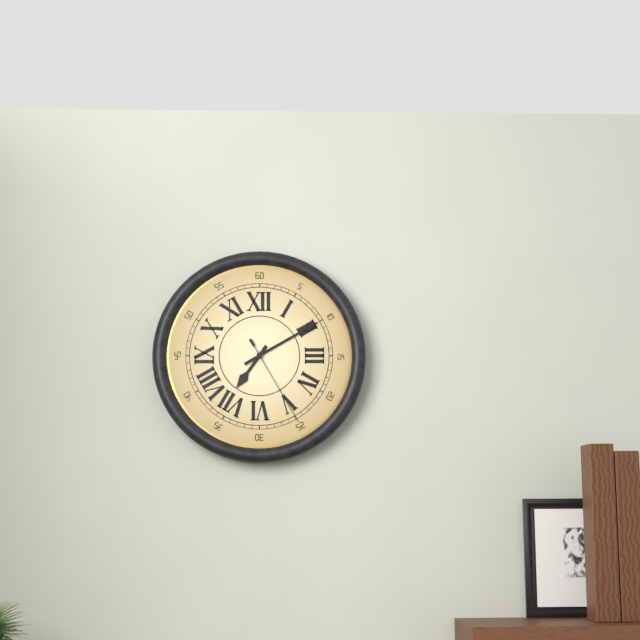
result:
7,10,25
